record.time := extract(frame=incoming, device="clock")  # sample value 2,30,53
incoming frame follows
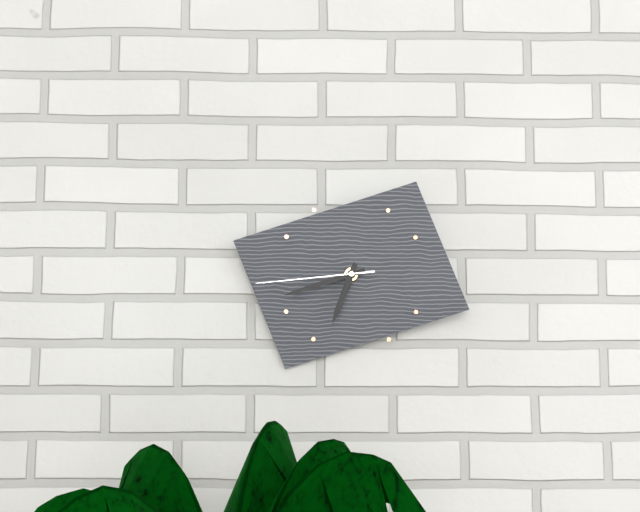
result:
6,42,44
